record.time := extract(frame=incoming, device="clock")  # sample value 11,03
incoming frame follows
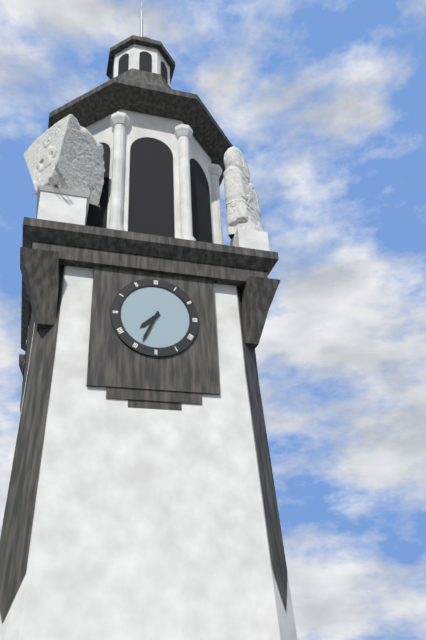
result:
7,34
